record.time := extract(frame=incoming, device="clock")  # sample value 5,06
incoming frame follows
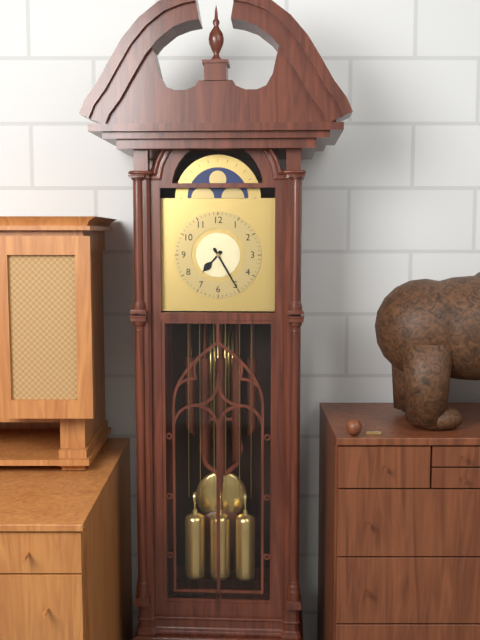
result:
7,25
